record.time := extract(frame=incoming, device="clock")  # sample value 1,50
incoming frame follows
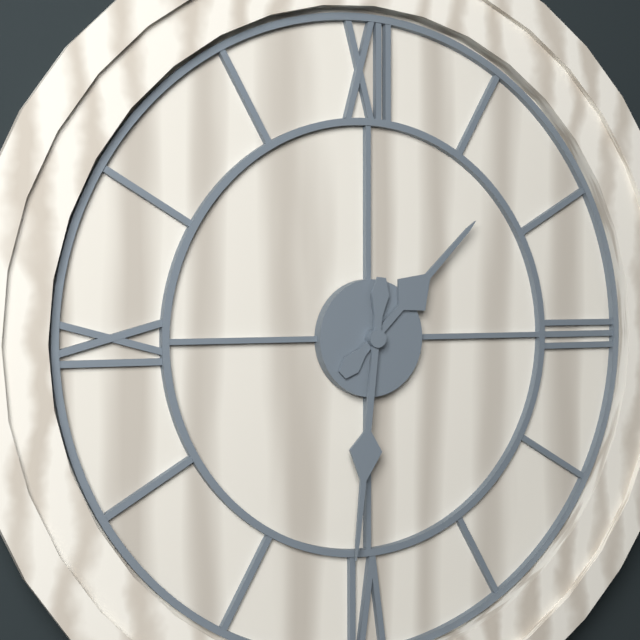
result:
1,31
